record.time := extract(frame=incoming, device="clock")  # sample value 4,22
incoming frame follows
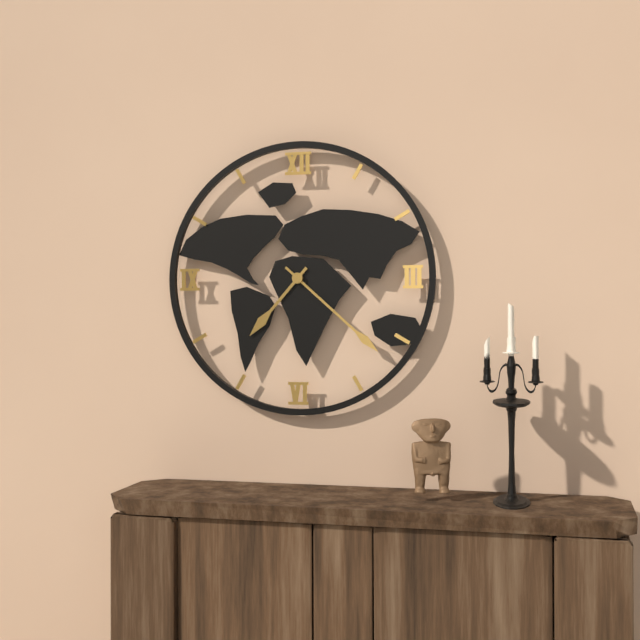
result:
7,22
